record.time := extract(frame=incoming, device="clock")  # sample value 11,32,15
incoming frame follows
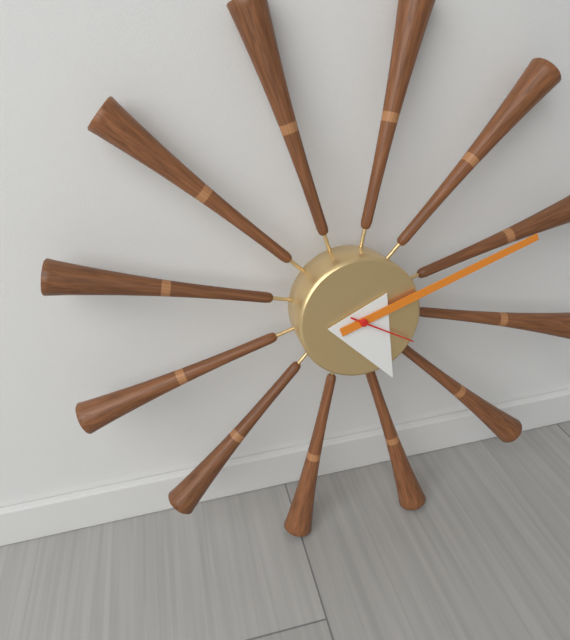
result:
5,12,20
